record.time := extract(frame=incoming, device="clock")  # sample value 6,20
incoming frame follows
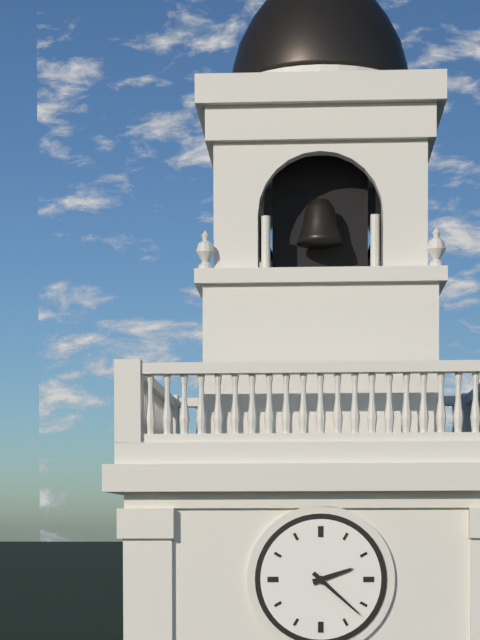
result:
2,22
